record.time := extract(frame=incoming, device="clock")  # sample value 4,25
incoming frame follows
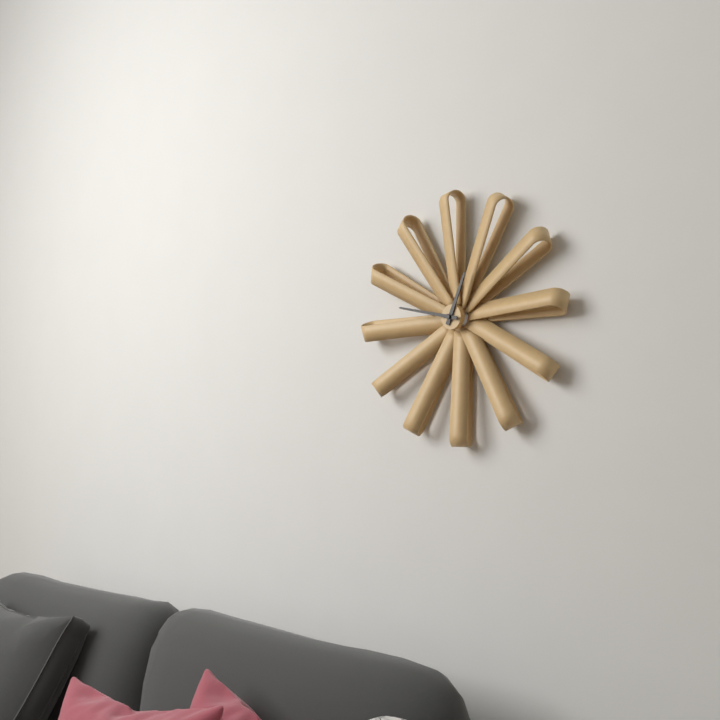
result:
12,47
